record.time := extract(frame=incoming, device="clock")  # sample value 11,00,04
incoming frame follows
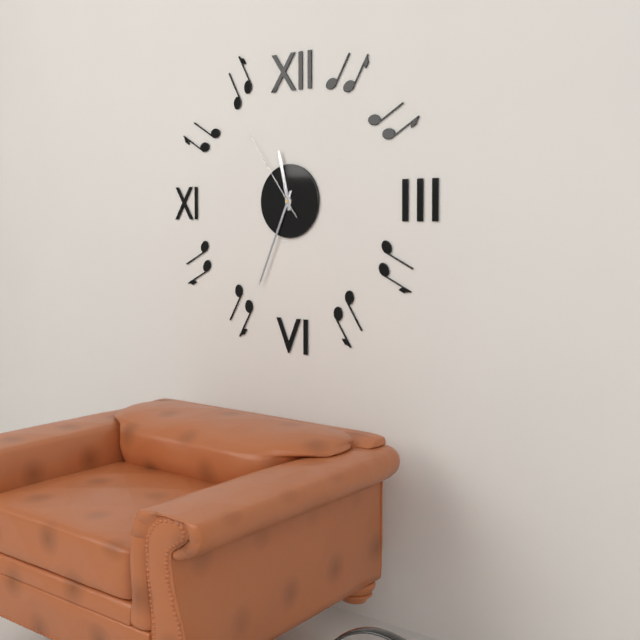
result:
11,34,54
